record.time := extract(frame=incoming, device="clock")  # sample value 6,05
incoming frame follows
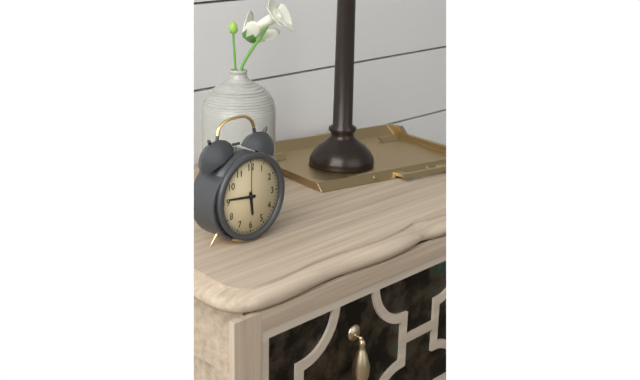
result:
5,46
